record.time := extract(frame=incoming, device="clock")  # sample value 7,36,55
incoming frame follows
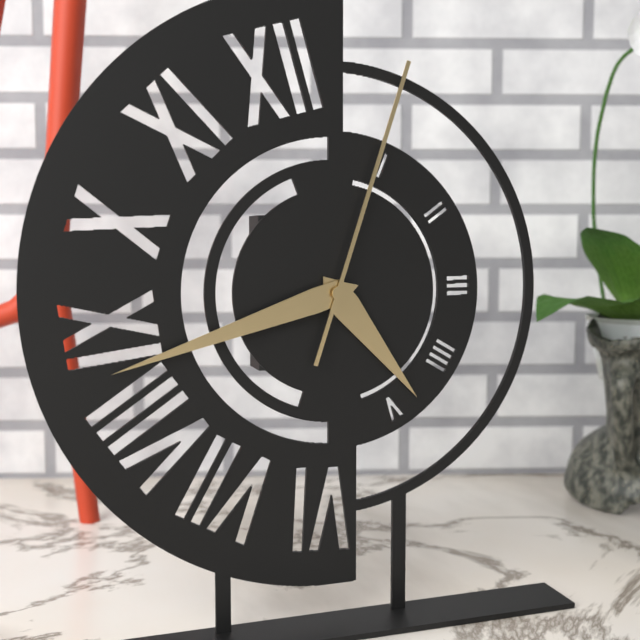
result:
4,42,03
